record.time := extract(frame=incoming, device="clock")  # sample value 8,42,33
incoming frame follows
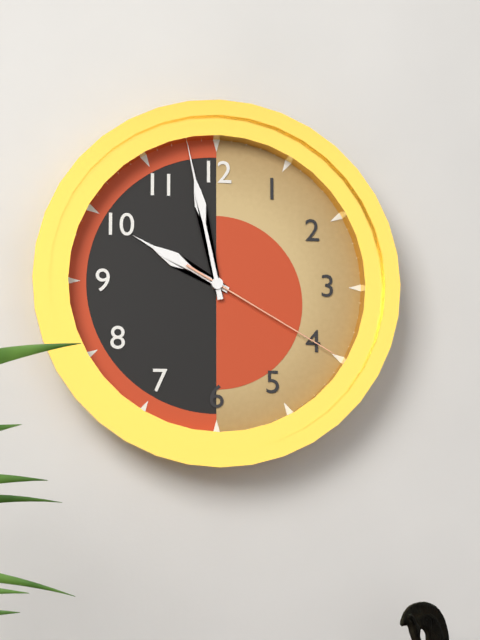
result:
9,58,20
